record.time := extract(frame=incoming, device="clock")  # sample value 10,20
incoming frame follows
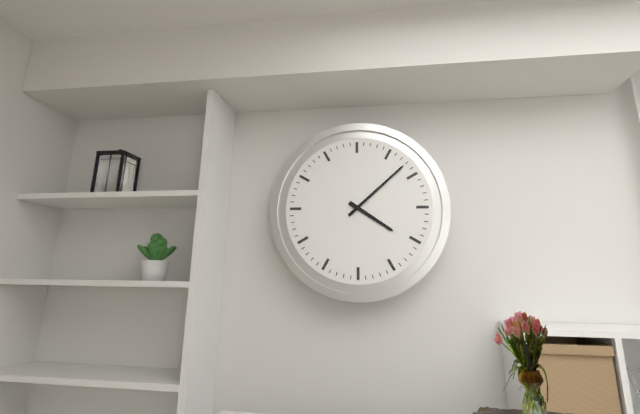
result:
4,08
